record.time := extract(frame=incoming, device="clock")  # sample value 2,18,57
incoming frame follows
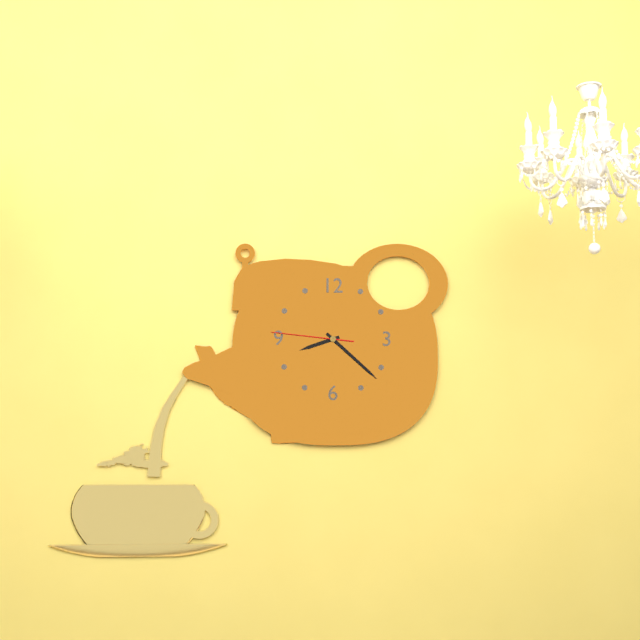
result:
8,22,46
